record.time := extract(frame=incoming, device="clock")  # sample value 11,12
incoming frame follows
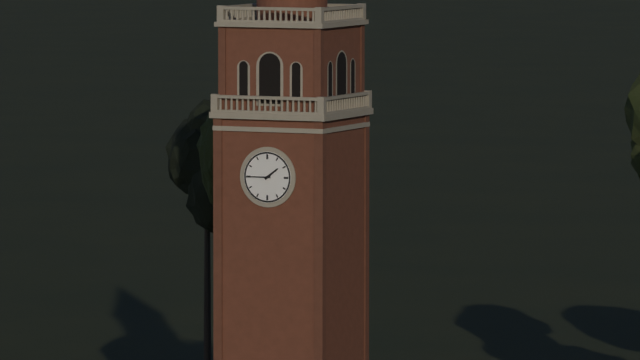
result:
1,45
